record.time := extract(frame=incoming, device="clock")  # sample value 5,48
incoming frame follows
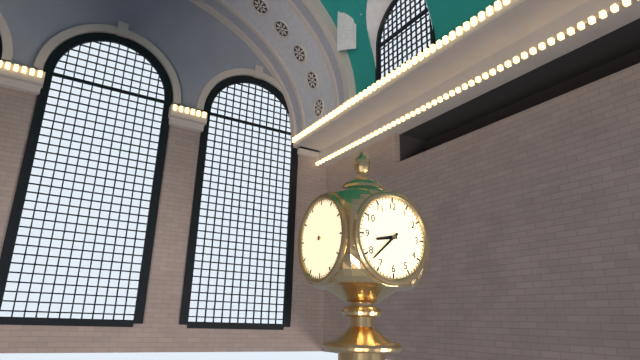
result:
8,38
